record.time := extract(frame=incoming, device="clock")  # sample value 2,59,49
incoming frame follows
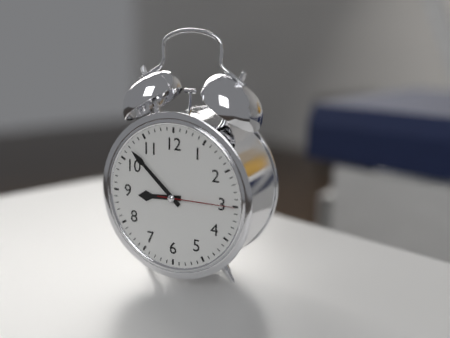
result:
8,52,15
